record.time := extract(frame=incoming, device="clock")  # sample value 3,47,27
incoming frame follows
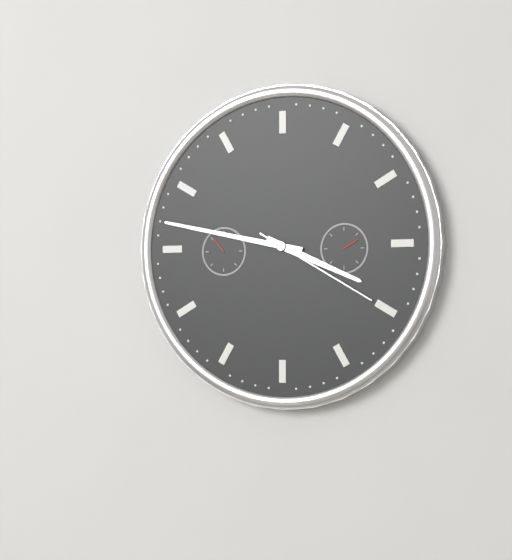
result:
3,47,20
